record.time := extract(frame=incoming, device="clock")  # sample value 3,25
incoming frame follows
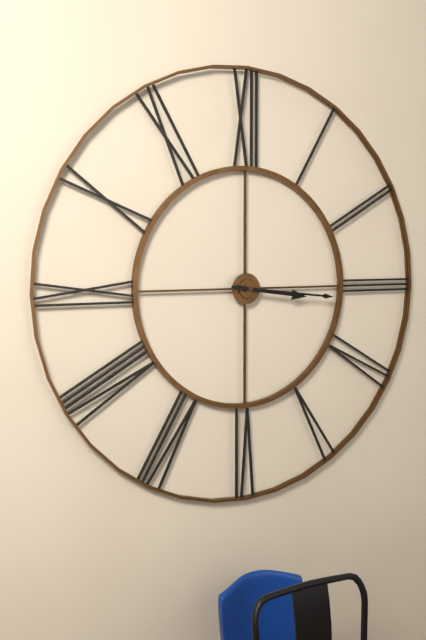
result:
3,16
